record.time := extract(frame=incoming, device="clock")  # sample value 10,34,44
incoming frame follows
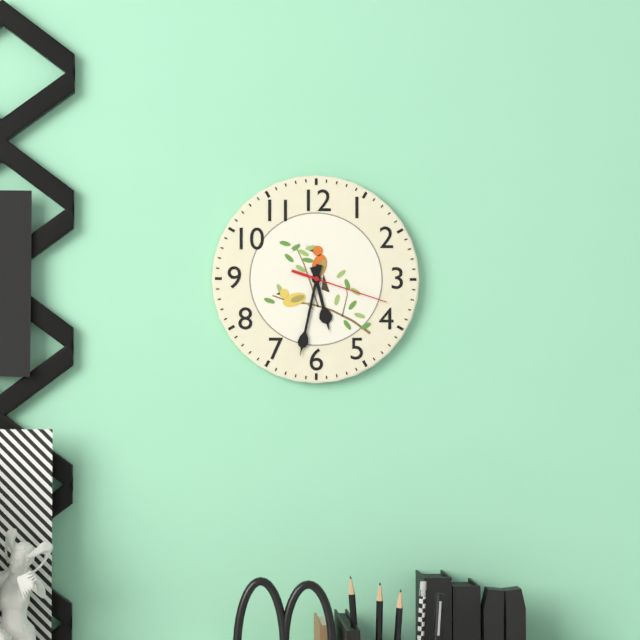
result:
5,32,18
